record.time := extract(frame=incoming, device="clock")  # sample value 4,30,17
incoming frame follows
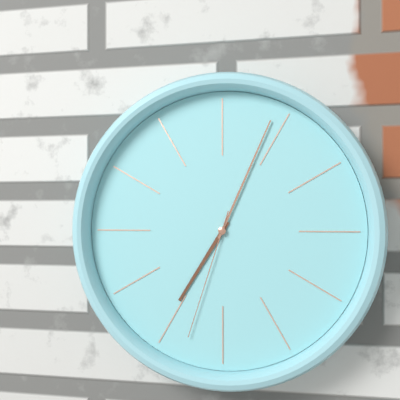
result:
7,04,33
